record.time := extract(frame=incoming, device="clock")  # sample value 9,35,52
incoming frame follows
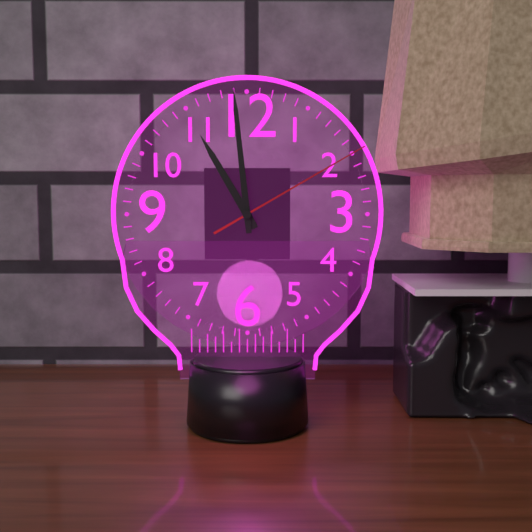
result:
10,59,10
